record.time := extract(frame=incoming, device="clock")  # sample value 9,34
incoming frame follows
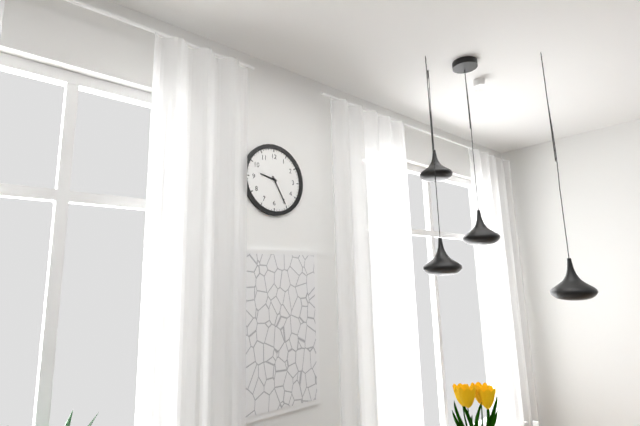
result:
9,25
